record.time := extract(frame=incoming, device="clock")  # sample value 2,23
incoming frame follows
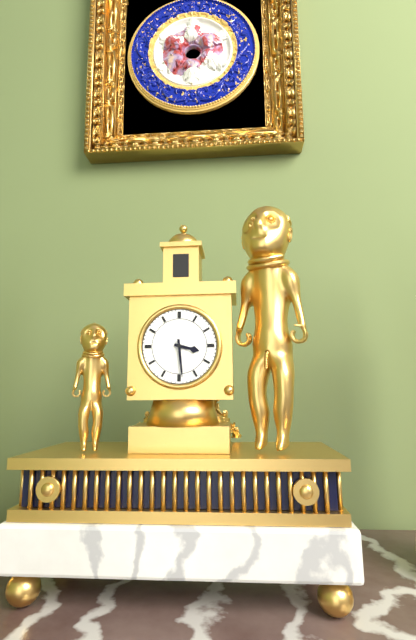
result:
3,29
